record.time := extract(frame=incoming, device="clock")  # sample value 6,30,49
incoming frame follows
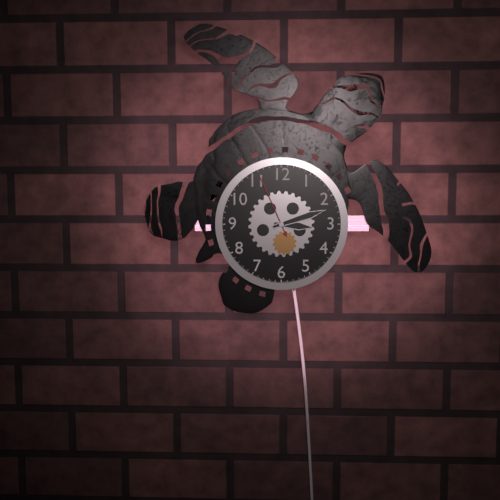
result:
3,12,56
